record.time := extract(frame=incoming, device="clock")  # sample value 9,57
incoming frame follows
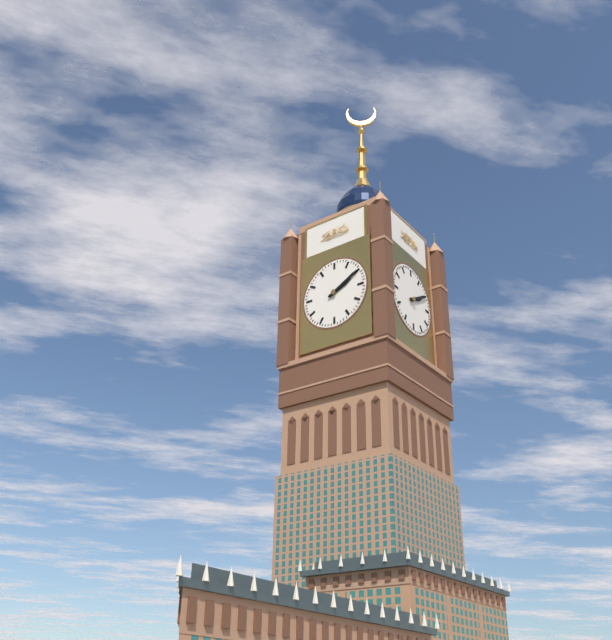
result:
2,10
